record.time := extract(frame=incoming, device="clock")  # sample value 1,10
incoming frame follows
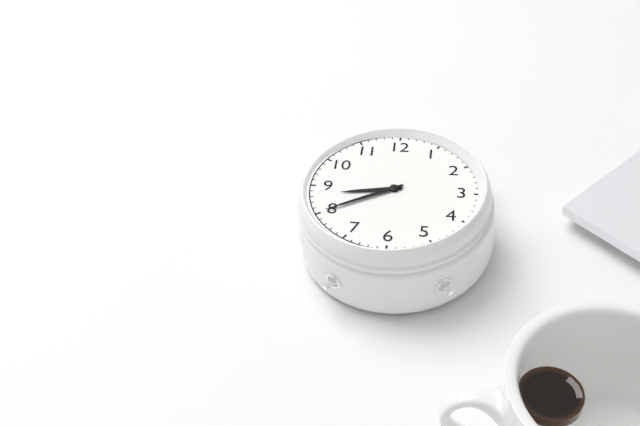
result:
8,40
